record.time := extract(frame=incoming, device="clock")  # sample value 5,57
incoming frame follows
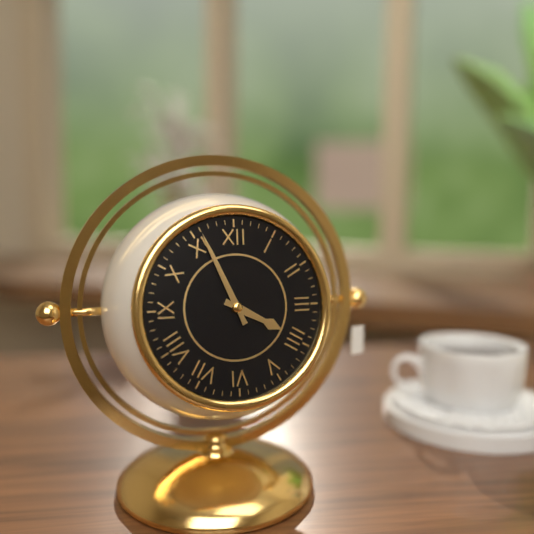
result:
3,56
